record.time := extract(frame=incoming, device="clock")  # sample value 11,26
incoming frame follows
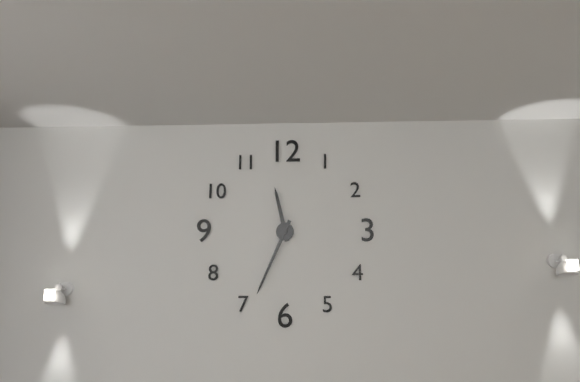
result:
11,34
